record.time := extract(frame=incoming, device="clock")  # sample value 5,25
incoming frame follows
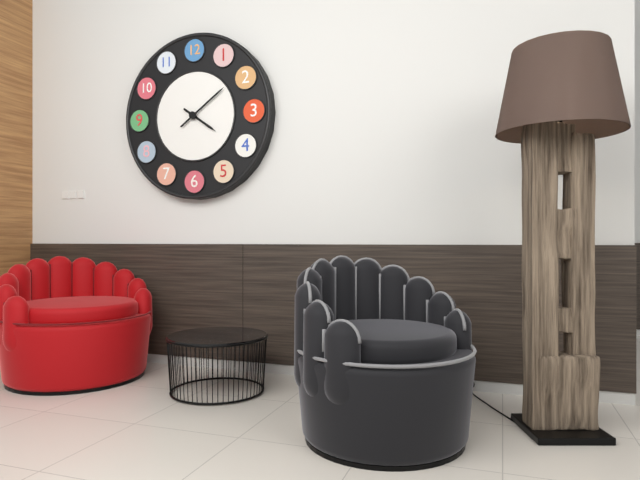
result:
4,09
